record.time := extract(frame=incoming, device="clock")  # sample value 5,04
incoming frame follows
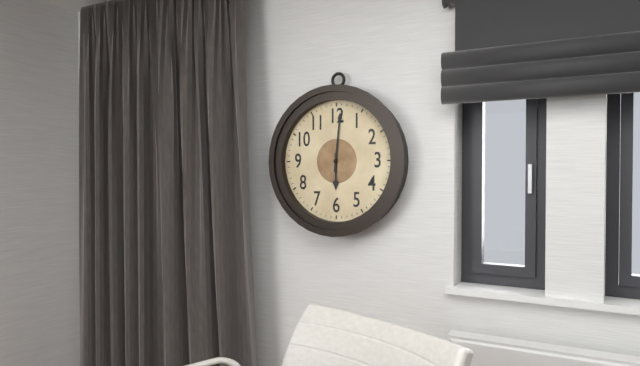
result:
6,01
